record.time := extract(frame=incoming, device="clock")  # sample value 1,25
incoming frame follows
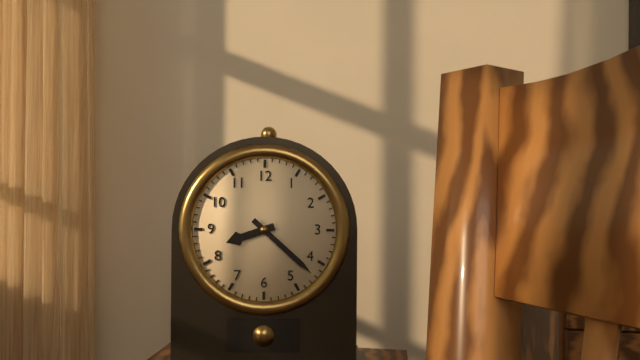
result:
8,22
